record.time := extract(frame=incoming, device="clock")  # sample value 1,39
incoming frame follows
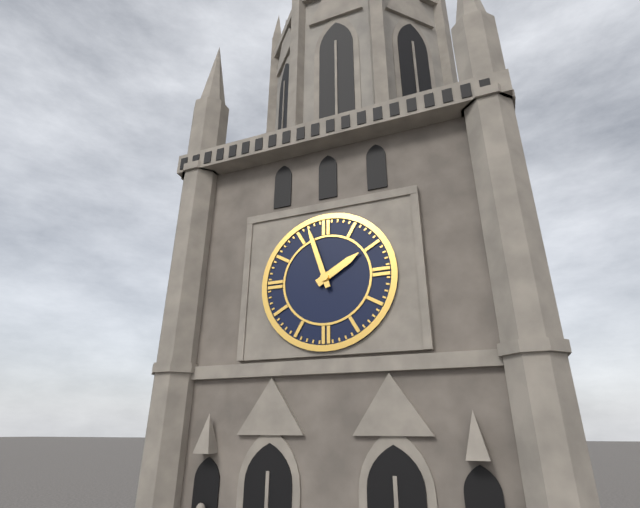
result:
1,57
